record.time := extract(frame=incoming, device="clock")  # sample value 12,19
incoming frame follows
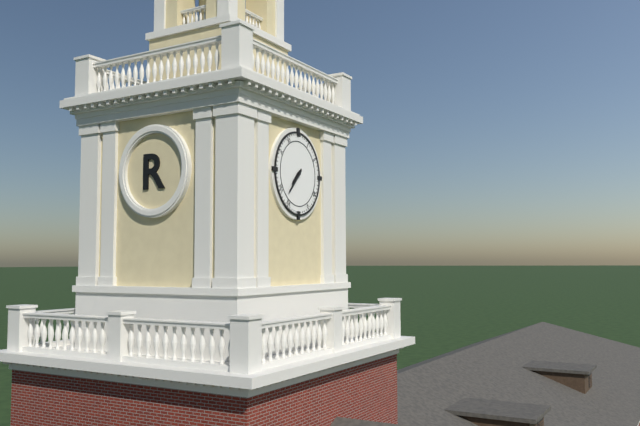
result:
7,37
